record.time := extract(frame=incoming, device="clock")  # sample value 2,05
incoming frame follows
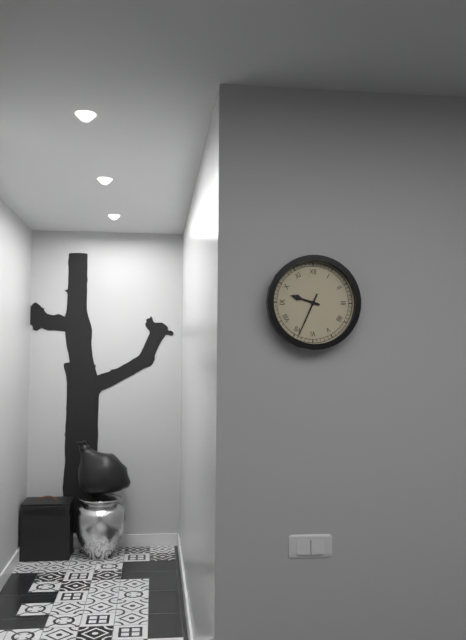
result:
9,34
